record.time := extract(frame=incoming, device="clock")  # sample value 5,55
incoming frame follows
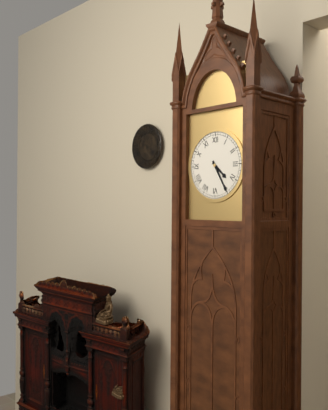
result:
4,25
